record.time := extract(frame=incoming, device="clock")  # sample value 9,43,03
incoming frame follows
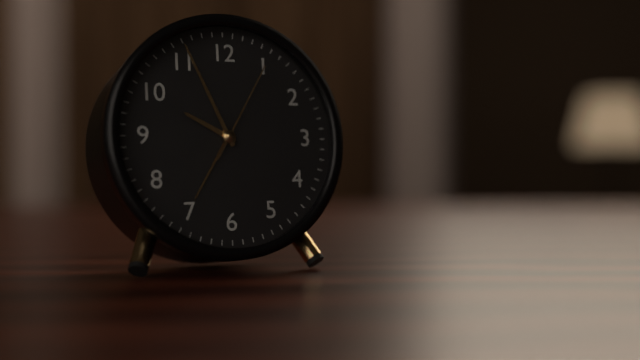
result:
9,56,05
